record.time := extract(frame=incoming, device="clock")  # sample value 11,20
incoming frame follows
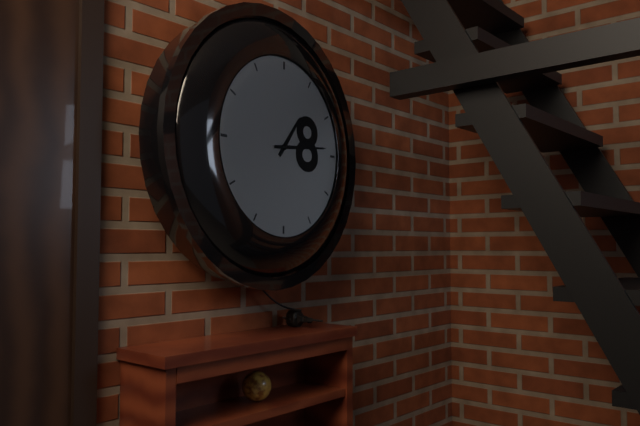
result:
1,14
